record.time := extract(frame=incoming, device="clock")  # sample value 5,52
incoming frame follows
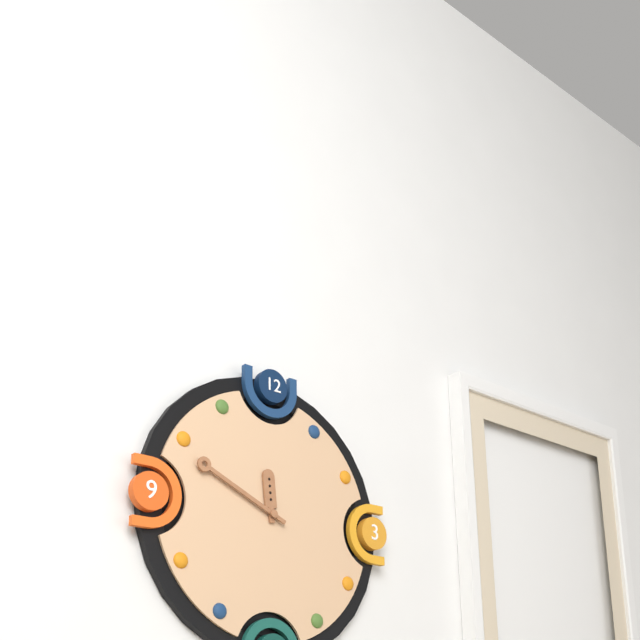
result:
11,49
